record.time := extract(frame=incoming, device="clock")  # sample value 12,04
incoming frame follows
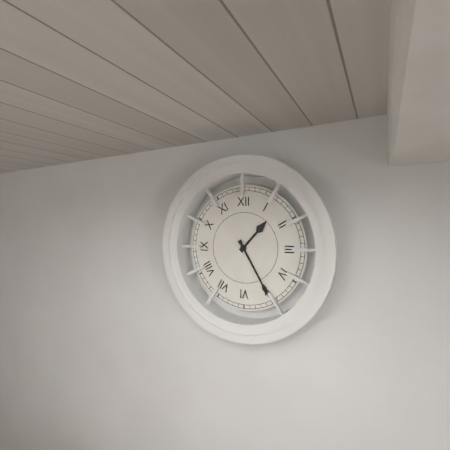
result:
1,25
